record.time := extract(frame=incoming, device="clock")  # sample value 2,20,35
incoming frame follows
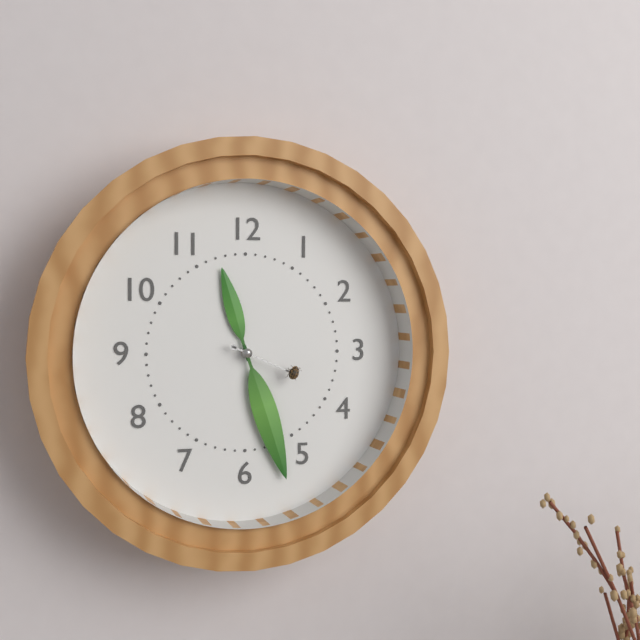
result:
11,27,19
